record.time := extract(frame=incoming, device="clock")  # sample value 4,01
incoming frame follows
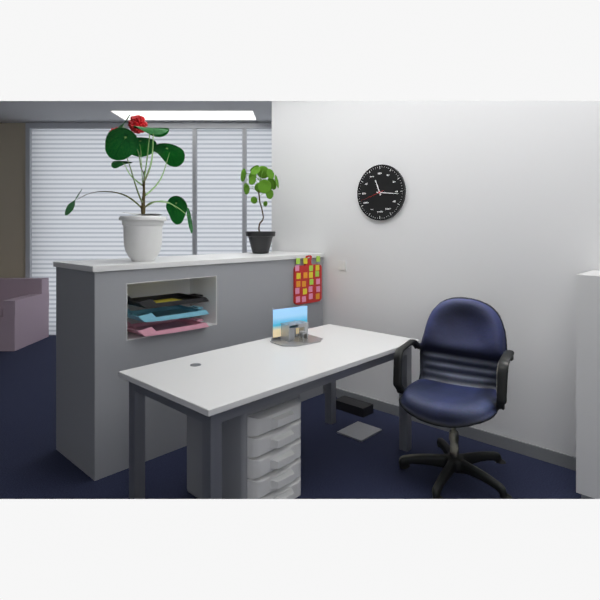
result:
11,16
